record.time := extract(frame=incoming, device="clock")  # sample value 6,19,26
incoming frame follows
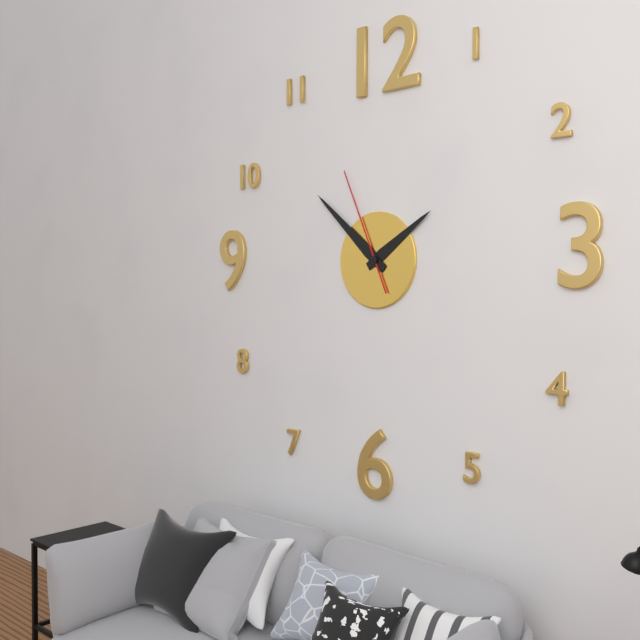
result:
1,52,56
